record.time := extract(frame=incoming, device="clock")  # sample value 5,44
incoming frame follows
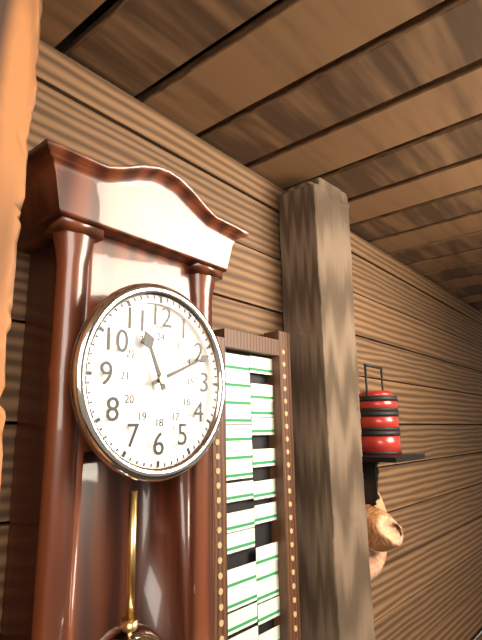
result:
11,11
